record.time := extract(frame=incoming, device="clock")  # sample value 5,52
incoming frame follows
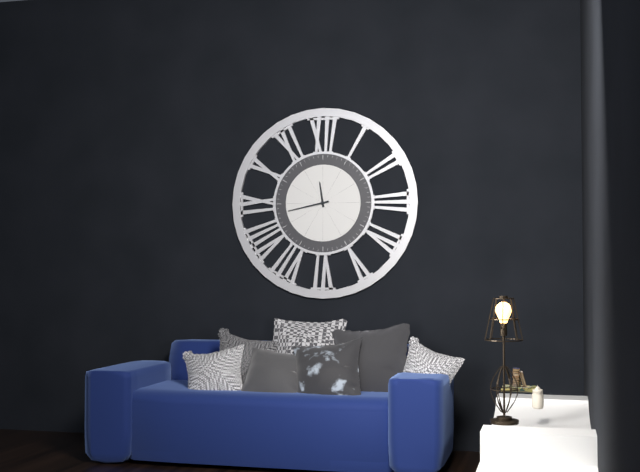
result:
11,43
